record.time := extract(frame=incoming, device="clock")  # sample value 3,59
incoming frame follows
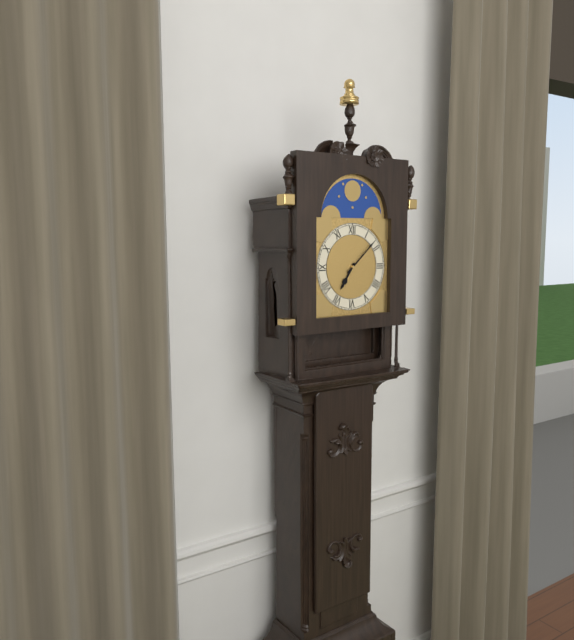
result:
7,08
